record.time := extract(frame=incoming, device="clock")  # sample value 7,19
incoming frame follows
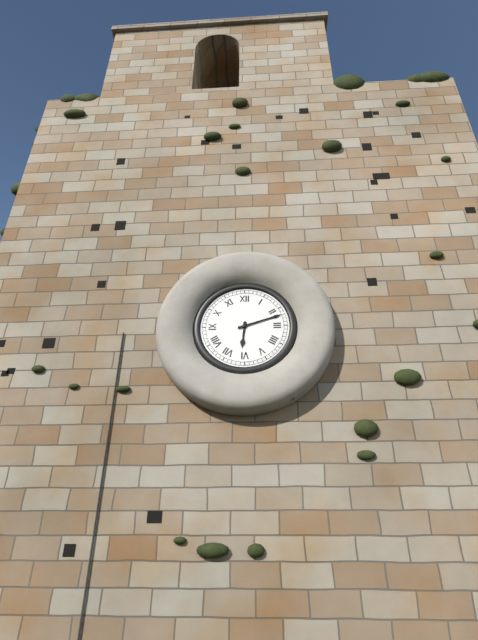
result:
6,12
